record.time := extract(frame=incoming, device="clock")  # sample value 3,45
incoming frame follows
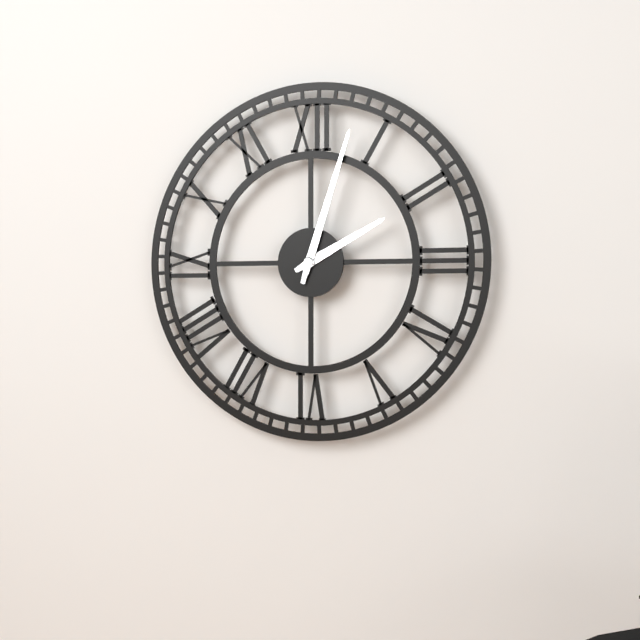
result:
2,03
